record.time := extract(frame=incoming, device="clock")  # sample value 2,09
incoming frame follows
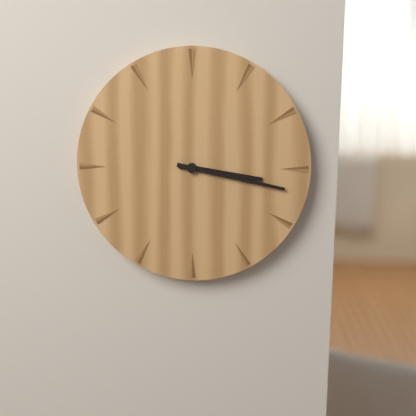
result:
3,17
